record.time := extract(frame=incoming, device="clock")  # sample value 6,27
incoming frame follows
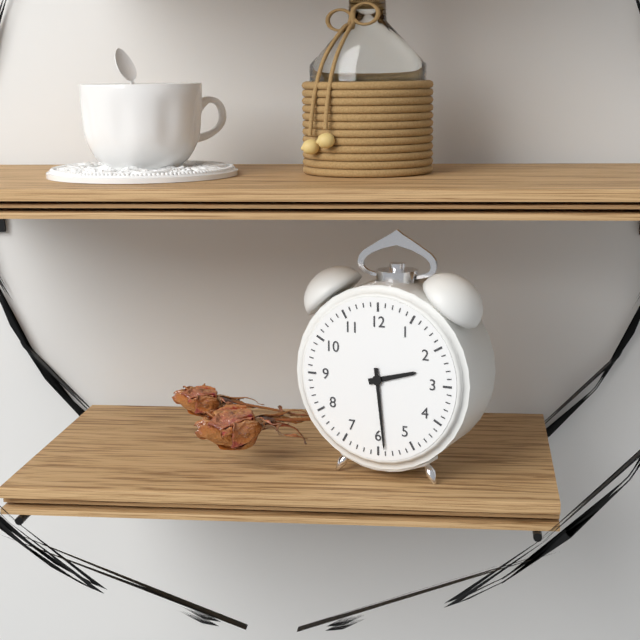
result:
2,29
